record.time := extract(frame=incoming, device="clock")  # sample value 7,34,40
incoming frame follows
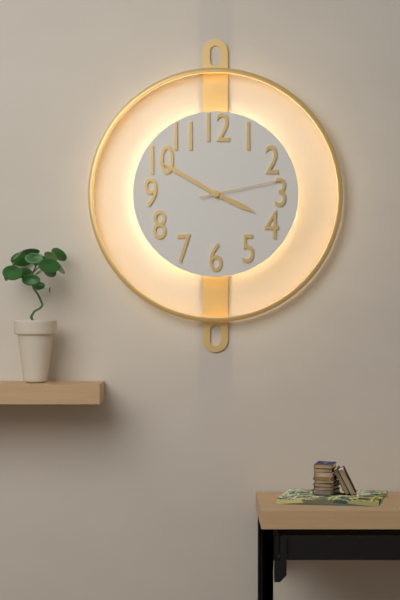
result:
3,50,13
